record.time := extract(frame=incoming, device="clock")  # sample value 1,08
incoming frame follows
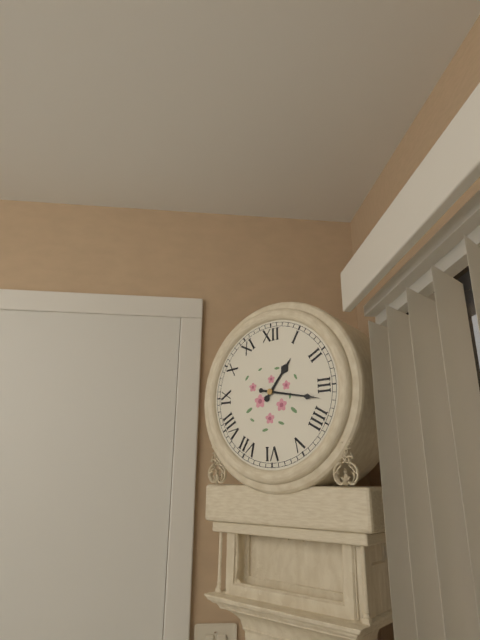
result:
1,17
